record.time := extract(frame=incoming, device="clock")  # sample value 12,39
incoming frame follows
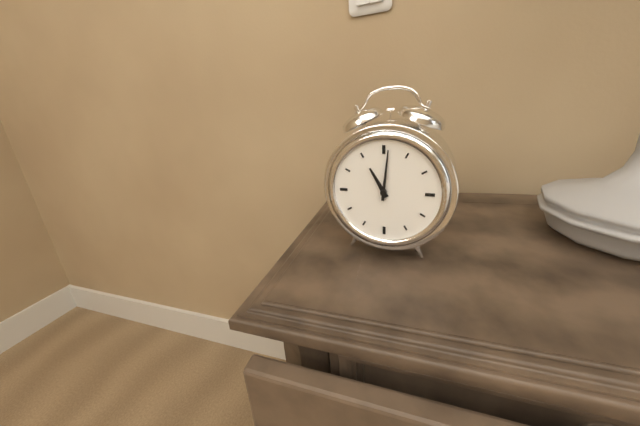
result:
11,01
